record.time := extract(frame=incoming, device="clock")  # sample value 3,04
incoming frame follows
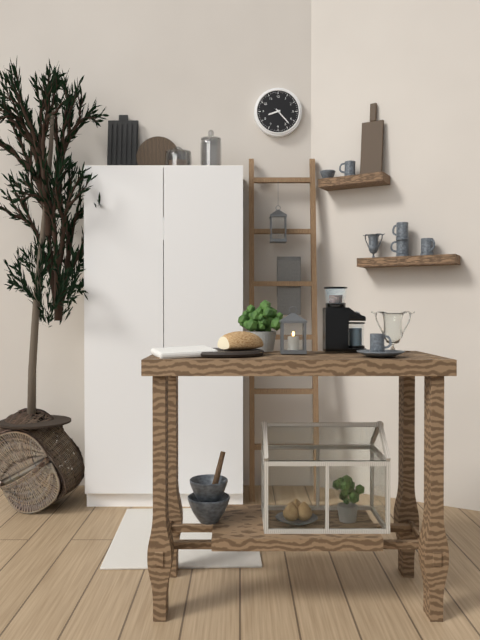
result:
8,23
